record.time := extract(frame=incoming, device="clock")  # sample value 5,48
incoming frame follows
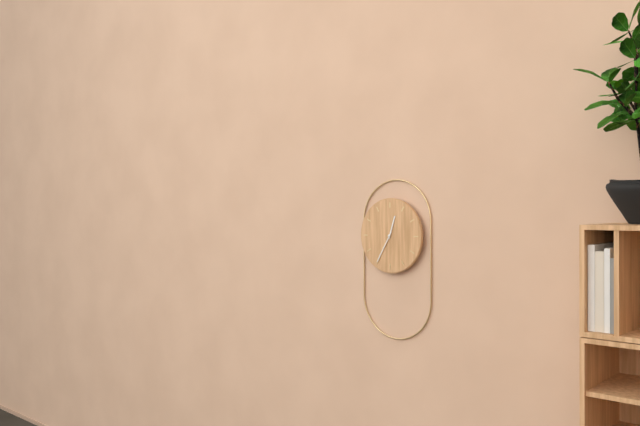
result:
12,35
